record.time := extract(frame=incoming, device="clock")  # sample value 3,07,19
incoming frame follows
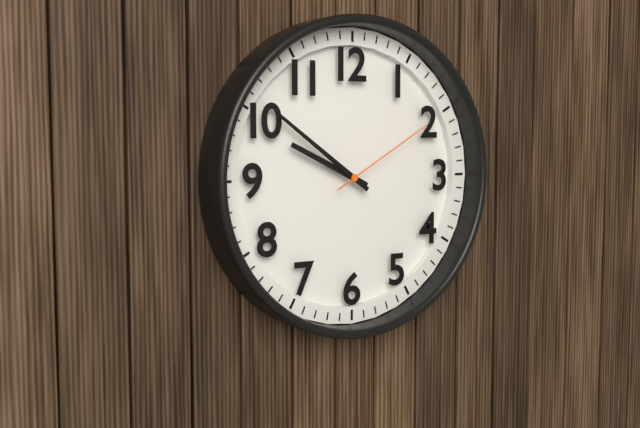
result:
9,51,10
